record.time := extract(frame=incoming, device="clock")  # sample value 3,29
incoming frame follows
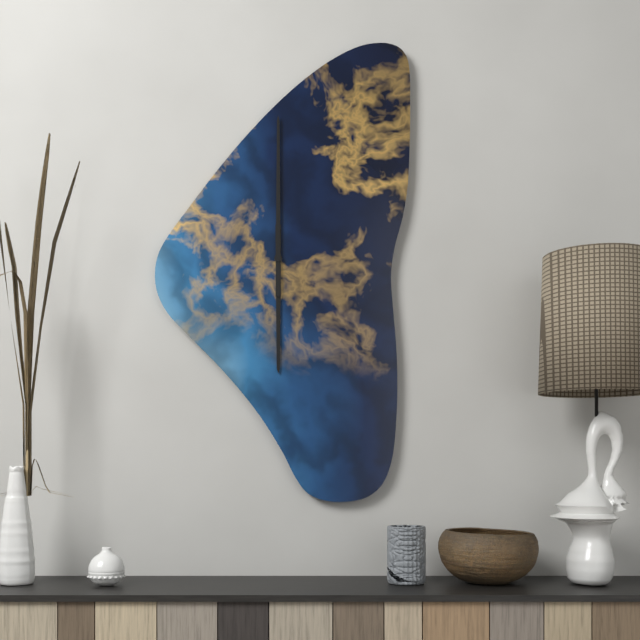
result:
6,00
